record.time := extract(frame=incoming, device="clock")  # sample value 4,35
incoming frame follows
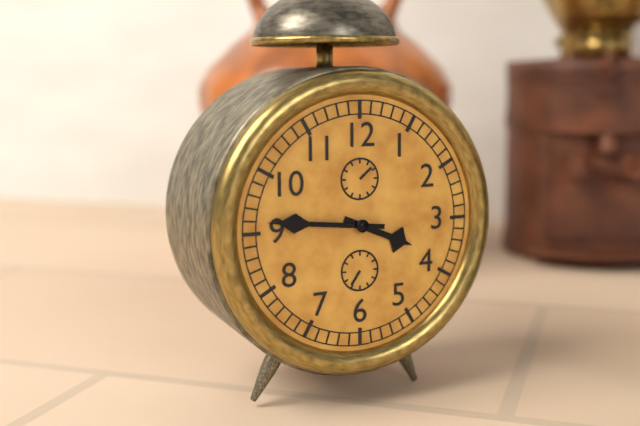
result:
3,46
